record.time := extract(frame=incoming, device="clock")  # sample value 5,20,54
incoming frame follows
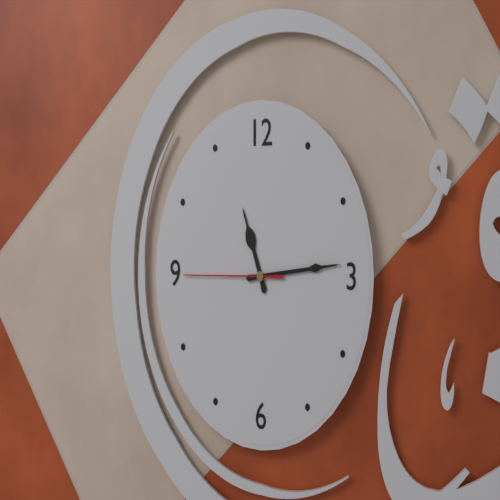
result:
11,14,45
